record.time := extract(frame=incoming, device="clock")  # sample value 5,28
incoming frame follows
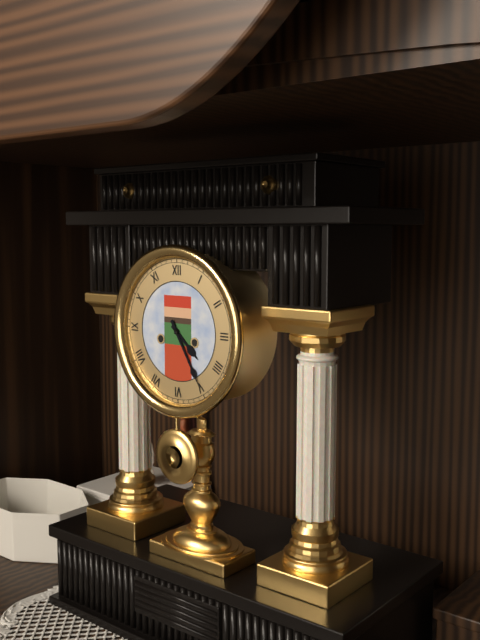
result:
4,25
